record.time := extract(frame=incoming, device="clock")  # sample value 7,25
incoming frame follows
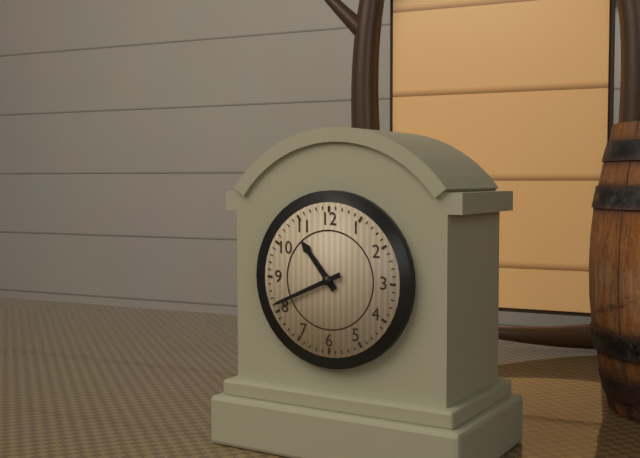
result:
10,41
